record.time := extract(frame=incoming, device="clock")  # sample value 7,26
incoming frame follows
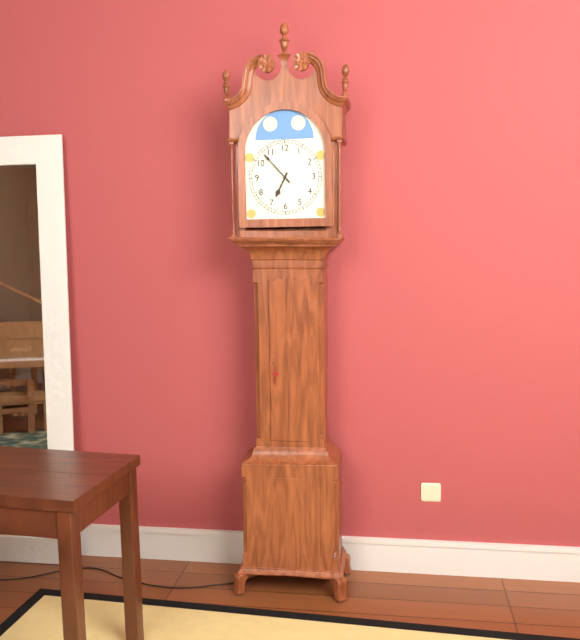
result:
6,53
